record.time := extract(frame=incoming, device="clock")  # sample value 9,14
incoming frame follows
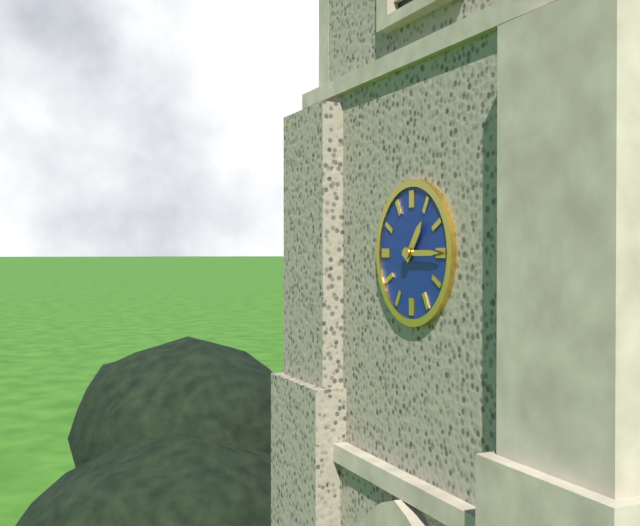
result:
1,15
